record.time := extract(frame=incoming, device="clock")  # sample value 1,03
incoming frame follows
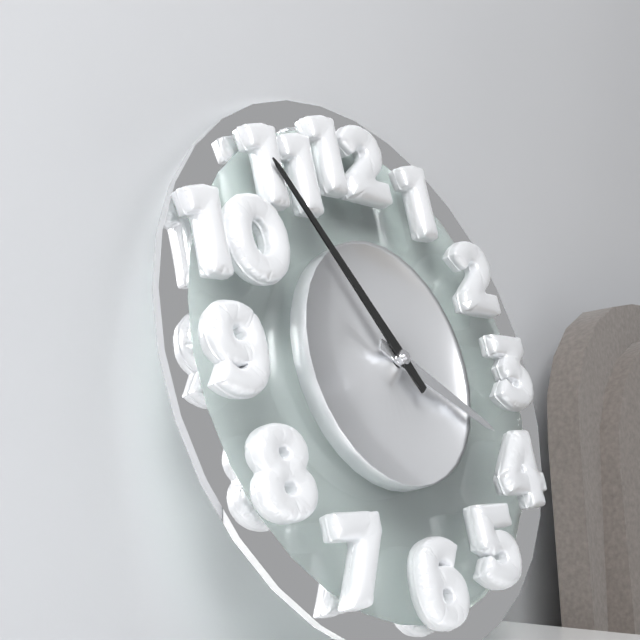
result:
3,54
